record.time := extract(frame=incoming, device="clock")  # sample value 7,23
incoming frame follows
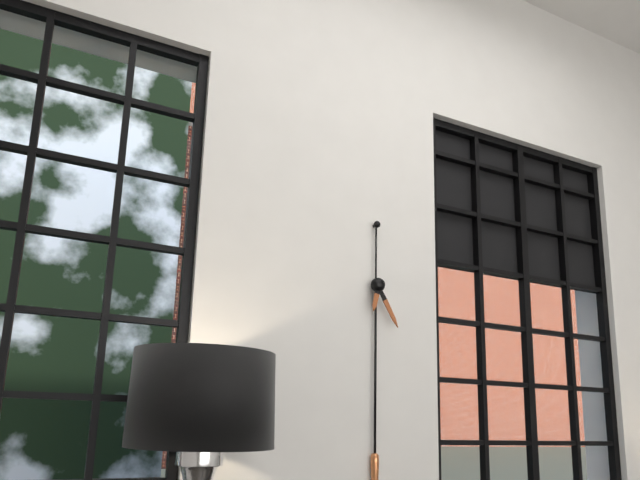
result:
6,25
